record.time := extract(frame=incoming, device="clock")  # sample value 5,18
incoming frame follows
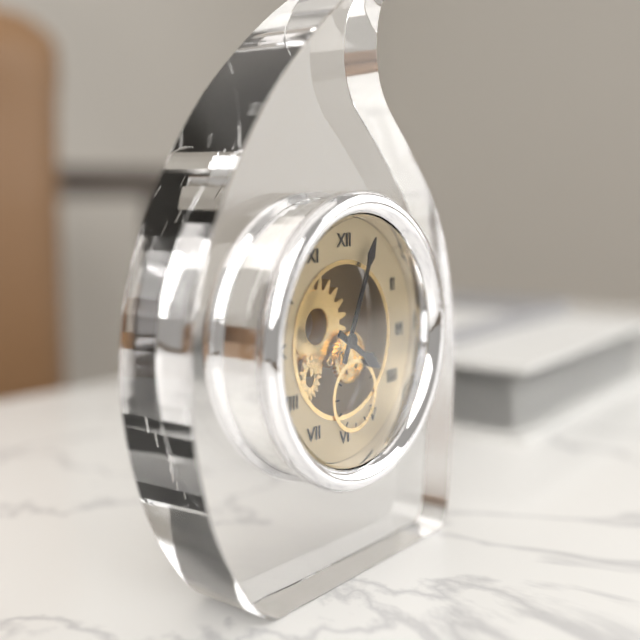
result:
4,04
